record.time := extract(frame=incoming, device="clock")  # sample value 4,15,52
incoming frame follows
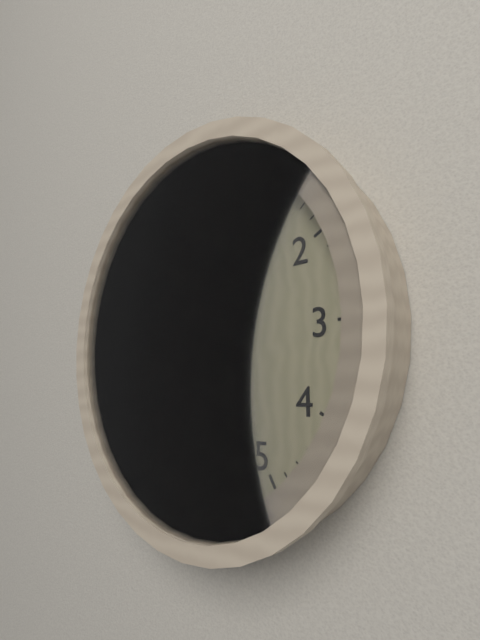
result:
6,31,32
